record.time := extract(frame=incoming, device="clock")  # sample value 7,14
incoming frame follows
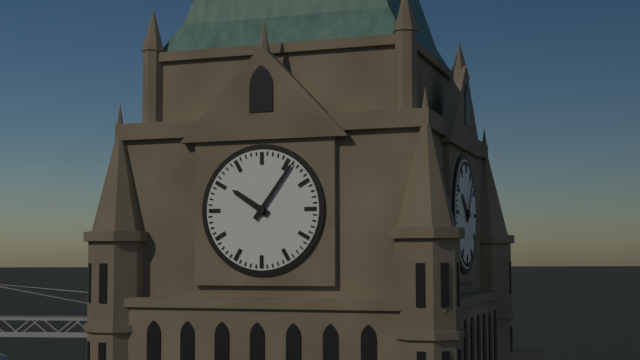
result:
10,06
